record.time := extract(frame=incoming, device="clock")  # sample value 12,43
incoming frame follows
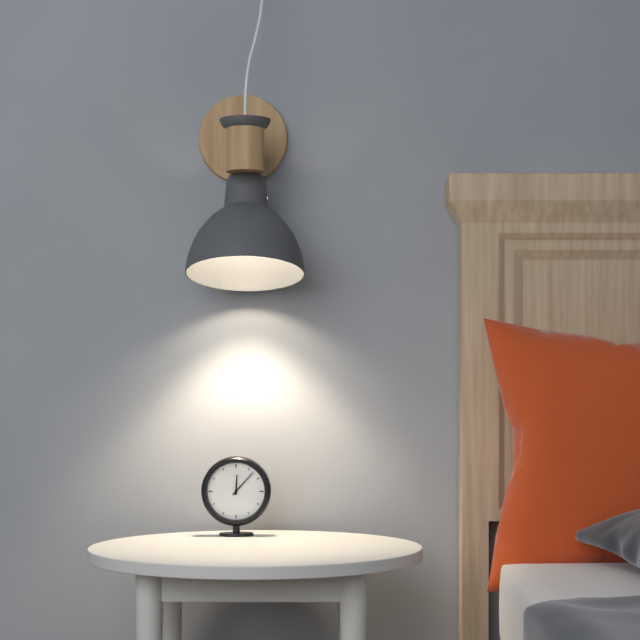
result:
12,07
